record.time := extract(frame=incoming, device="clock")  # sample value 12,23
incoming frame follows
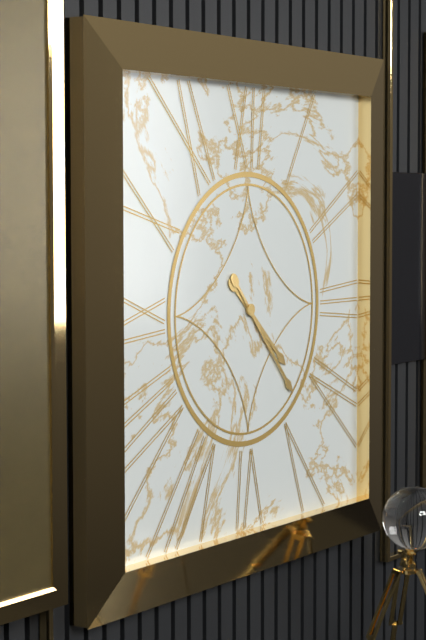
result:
4,23
